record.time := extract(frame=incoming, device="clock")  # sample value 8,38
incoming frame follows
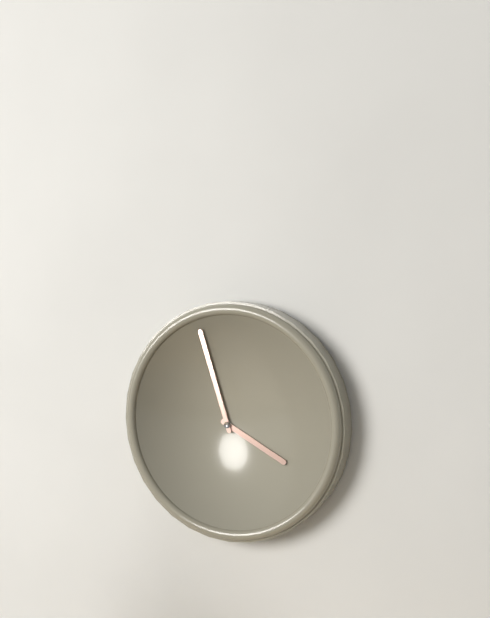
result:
3,57
